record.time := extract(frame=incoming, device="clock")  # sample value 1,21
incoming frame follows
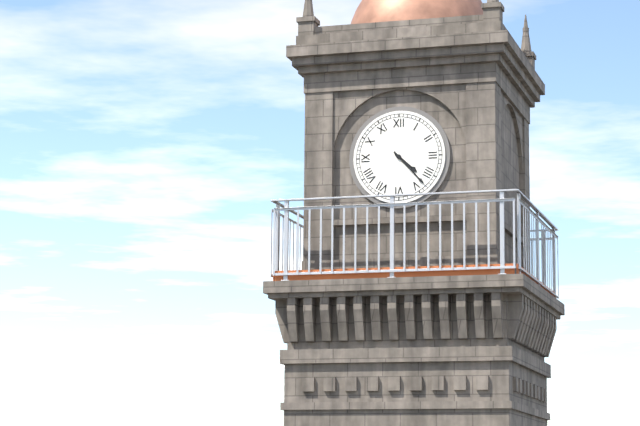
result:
4,23
